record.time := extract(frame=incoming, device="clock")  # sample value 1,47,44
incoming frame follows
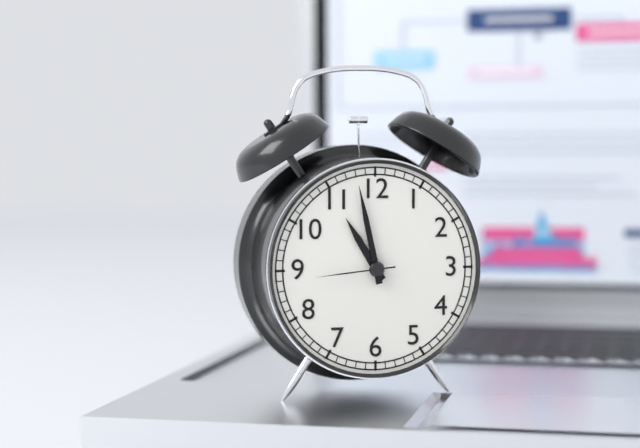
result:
10,58,44
